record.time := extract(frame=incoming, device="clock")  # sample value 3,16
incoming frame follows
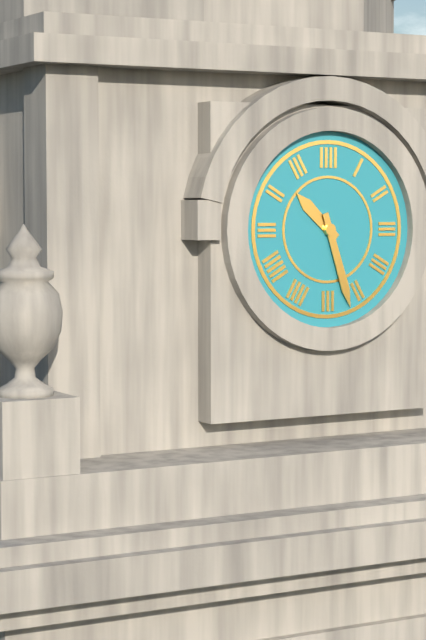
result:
10,27
